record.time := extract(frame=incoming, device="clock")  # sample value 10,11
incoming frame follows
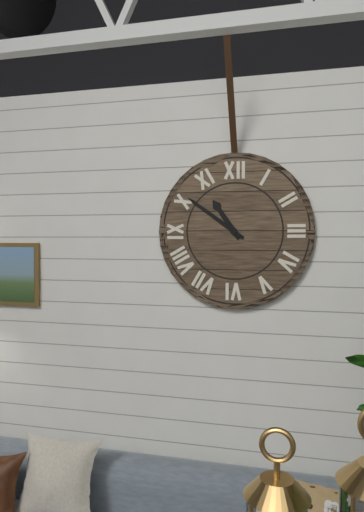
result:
10,51
